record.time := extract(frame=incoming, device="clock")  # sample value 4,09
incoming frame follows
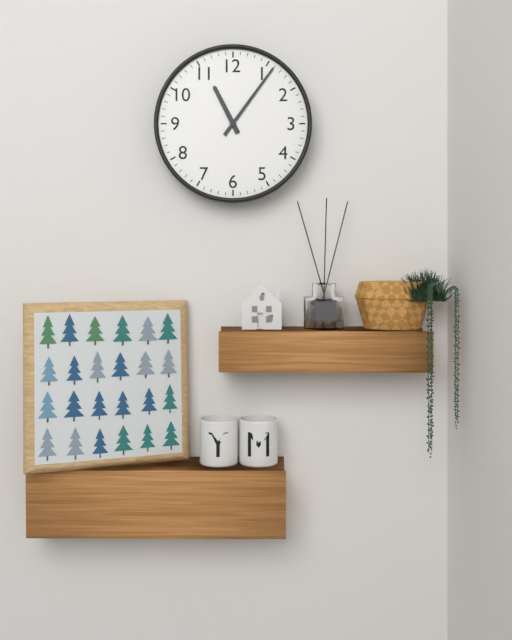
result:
11,06
